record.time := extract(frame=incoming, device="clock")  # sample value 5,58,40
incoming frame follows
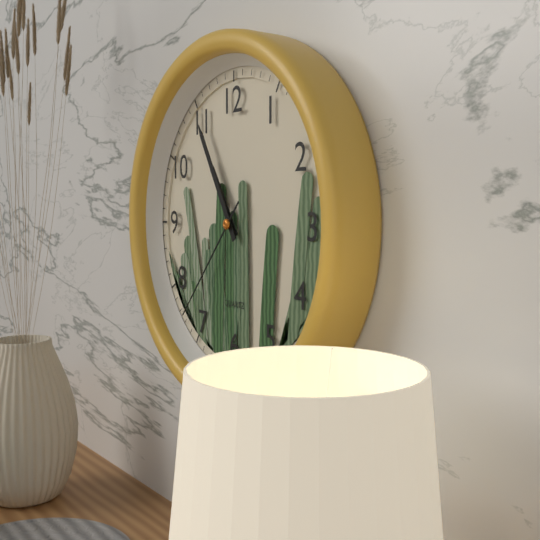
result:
10,55,37
